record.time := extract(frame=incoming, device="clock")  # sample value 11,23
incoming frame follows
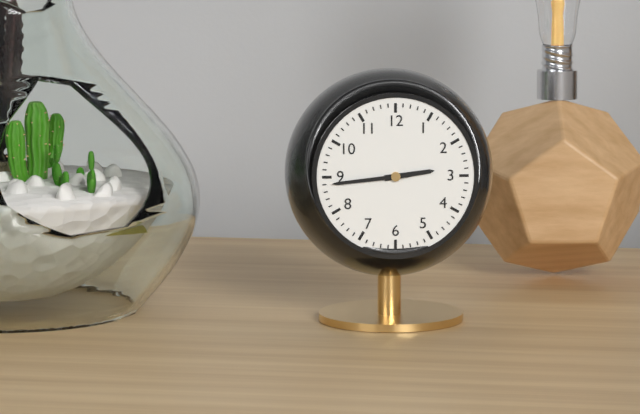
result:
2,44
